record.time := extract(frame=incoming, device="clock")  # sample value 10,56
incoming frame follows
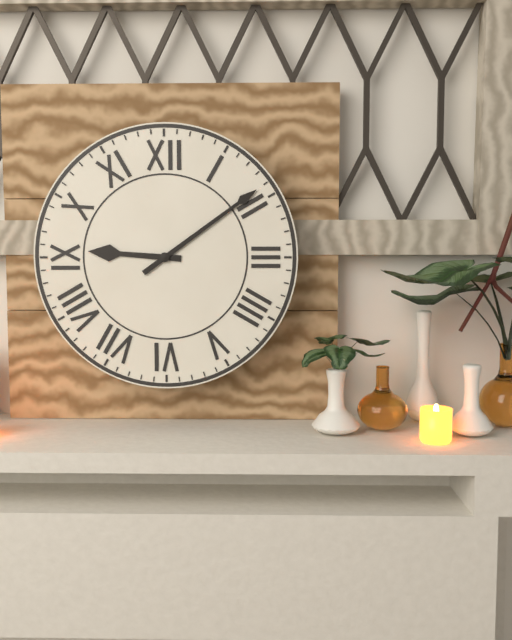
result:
9,09
